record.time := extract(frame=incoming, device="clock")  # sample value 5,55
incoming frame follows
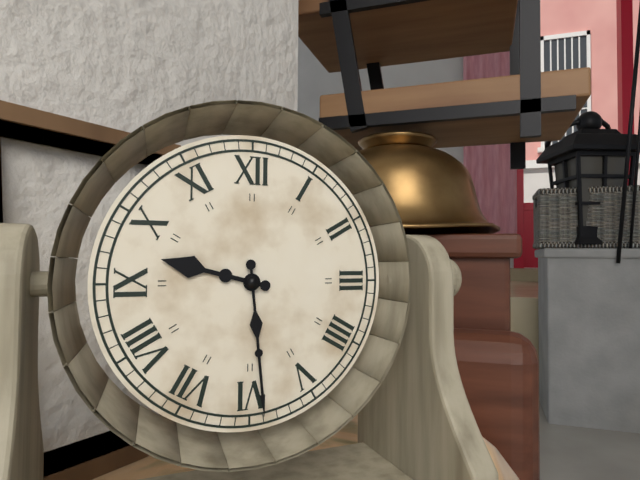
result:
9,29
